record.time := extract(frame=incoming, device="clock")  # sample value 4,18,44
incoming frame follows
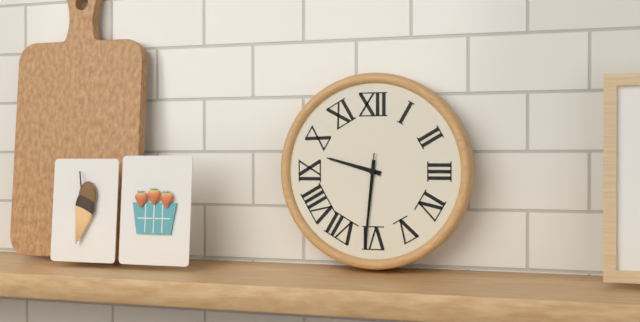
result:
9,31,31
